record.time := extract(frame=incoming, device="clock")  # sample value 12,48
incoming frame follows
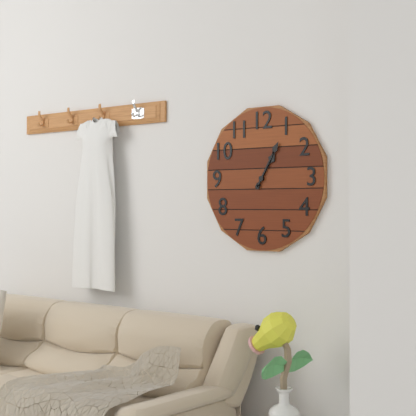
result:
1,05
